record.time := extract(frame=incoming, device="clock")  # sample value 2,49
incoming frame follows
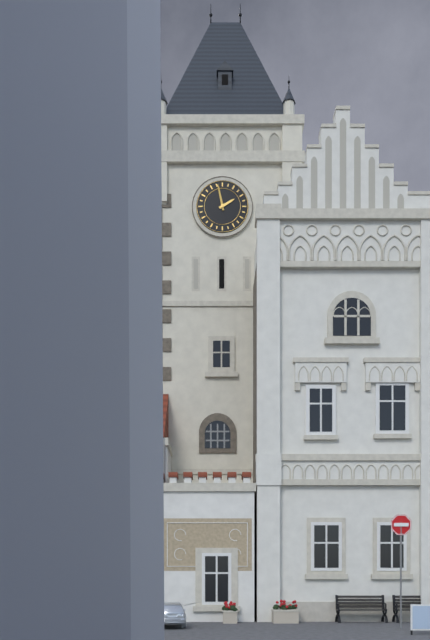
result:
1,58
